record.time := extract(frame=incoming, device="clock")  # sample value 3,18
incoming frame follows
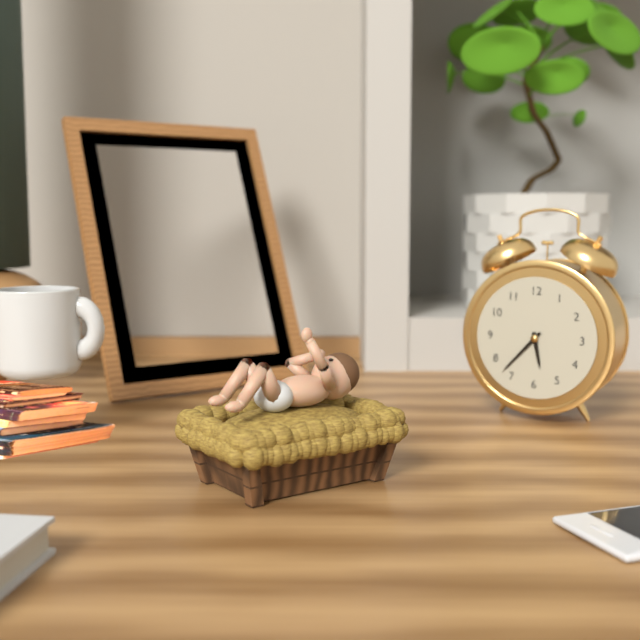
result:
5,37
